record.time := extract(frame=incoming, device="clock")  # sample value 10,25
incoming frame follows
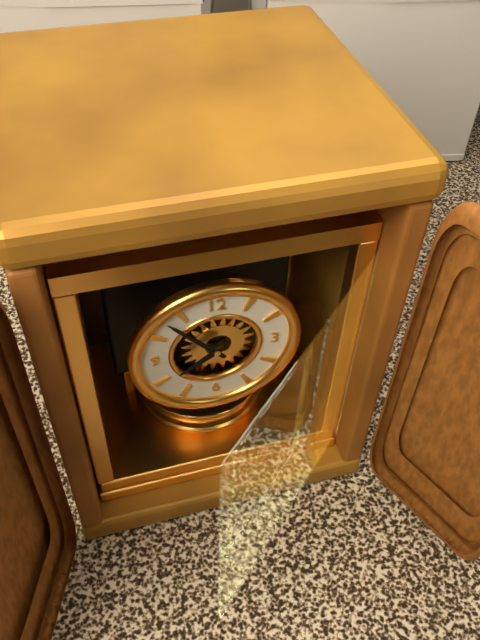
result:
7,53
